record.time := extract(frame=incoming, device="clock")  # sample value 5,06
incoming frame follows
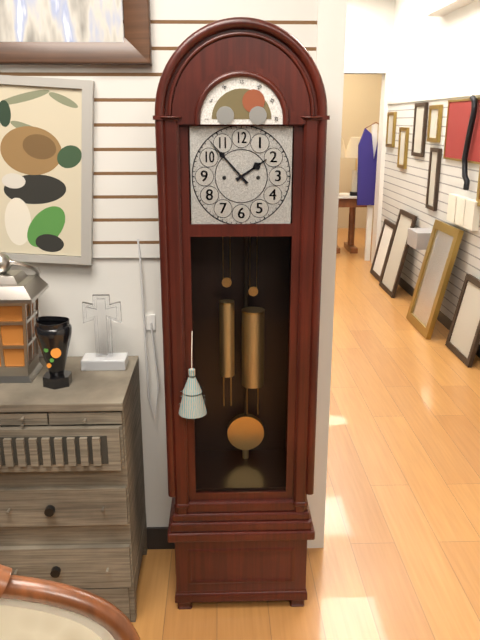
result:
1,53
